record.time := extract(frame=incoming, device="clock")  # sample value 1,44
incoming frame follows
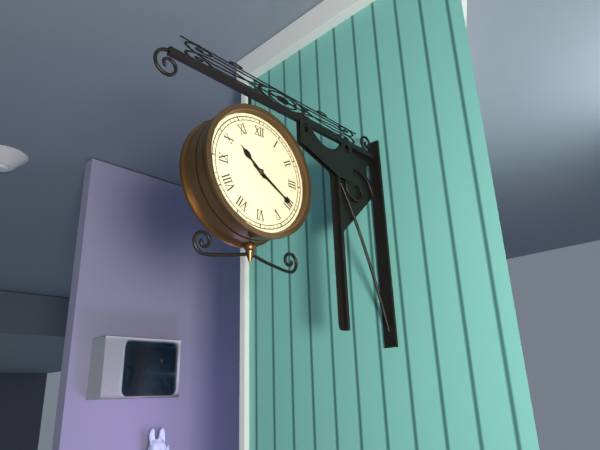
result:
10,20
